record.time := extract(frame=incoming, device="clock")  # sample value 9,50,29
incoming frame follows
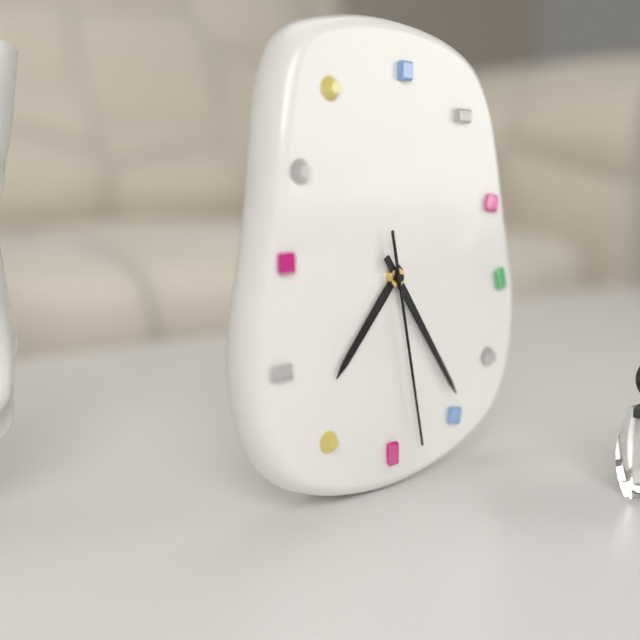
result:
7,24,28
